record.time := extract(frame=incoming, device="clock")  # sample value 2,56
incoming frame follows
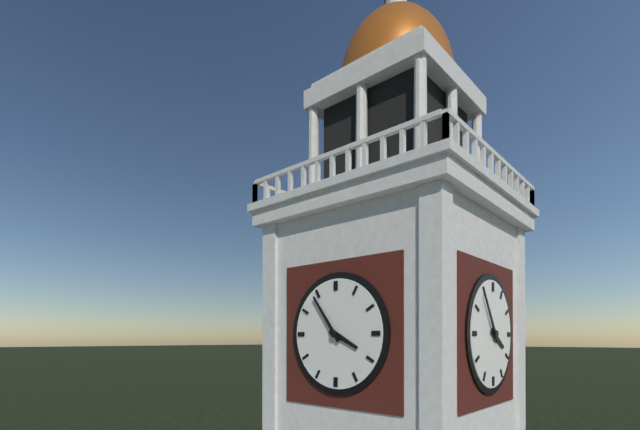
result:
3,54
